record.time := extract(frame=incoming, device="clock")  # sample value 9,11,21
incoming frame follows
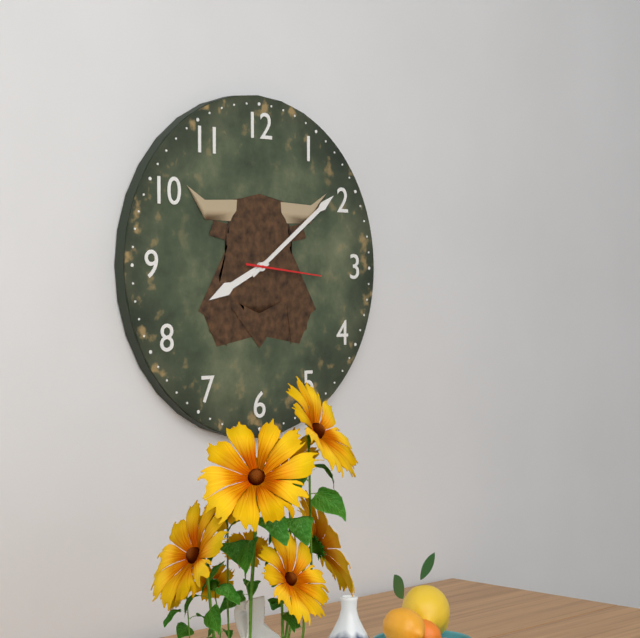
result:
8,09,16
